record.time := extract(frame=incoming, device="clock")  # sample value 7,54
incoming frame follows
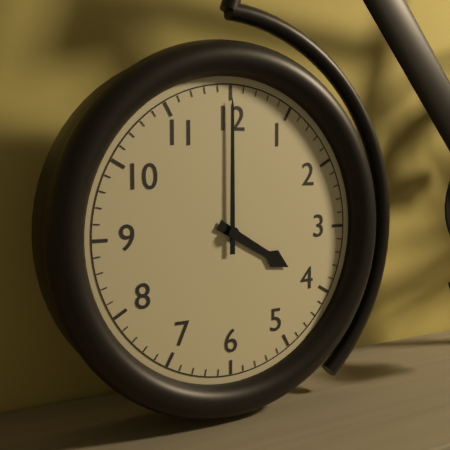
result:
4,00
